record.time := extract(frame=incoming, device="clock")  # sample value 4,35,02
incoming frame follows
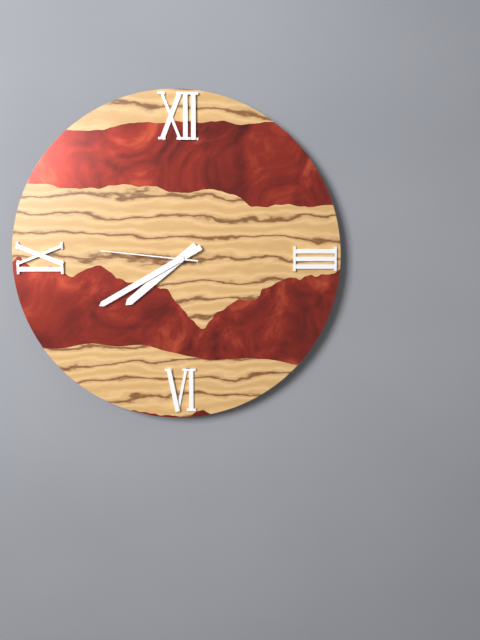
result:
7,40,46
